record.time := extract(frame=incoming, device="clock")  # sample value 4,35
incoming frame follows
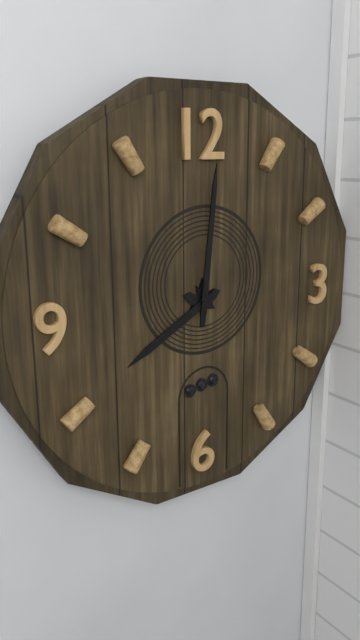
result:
8,01
